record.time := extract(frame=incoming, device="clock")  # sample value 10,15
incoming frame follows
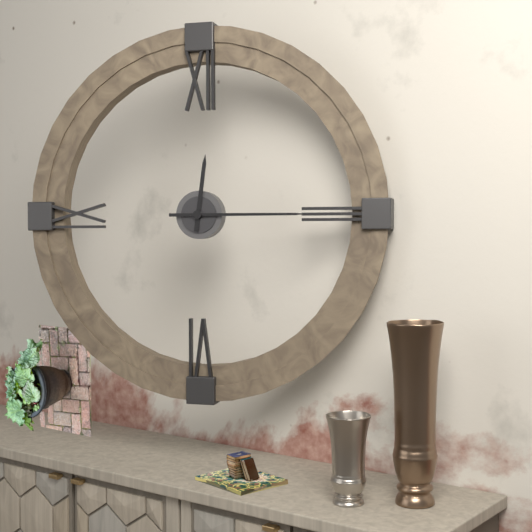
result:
12,15
